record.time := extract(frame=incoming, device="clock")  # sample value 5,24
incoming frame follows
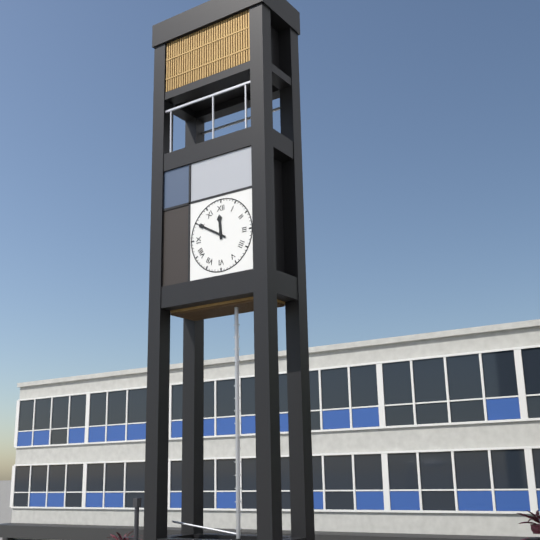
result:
11,50
